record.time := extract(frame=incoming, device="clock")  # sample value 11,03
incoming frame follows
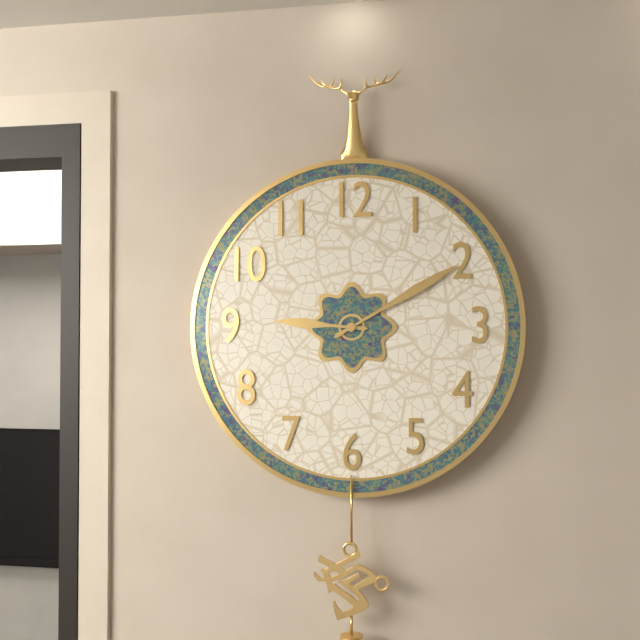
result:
9,10
